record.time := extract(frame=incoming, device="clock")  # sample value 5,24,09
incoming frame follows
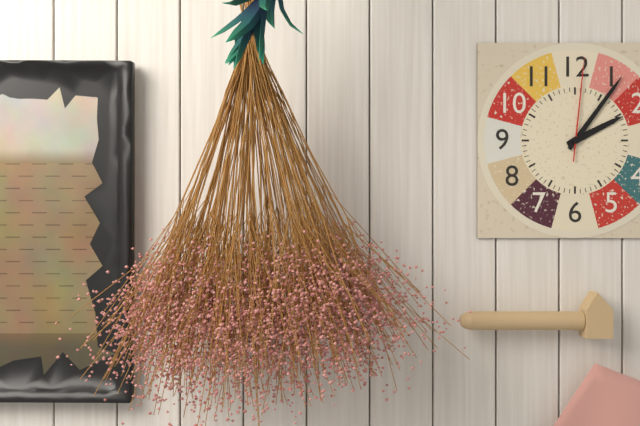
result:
2,06,01
